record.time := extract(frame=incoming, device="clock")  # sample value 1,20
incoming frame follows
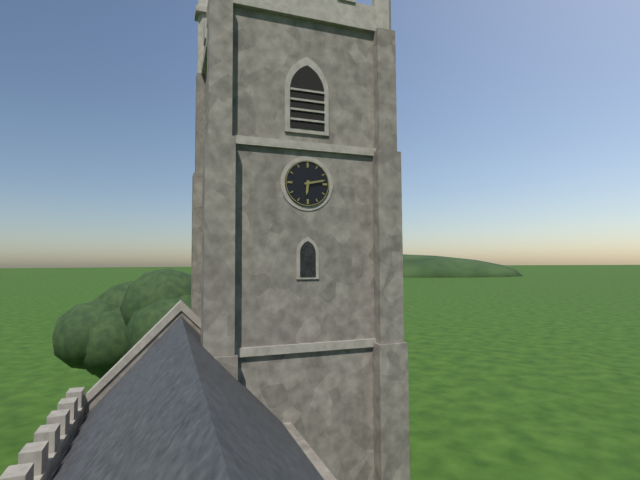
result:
6,13
